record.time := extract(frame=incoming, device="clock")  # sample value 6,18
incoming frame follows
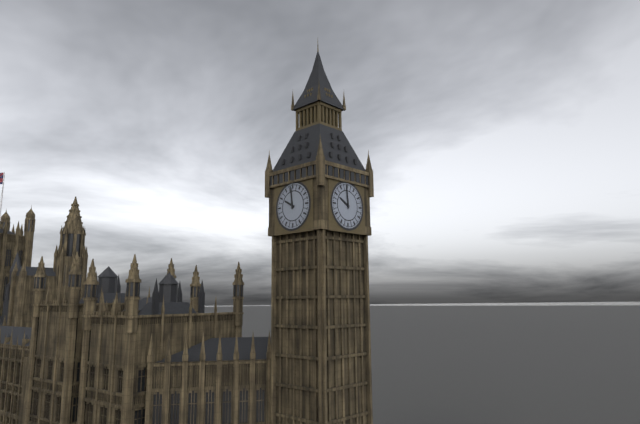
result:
9,59
